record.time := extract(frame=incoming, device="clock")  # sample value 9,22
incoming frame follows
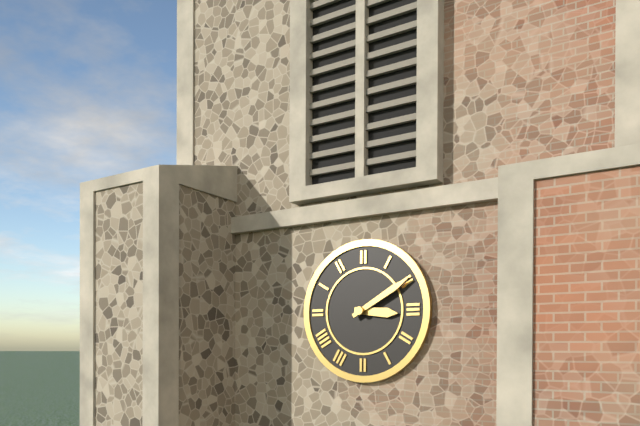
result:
3,10
